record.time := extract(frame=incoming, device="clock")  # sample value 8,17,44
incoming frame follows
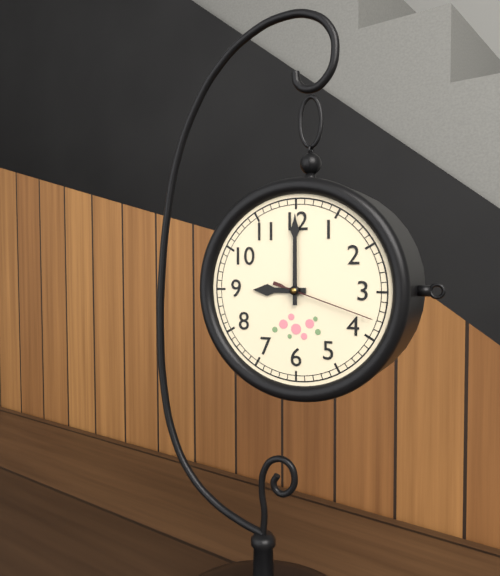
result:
9,00,18
